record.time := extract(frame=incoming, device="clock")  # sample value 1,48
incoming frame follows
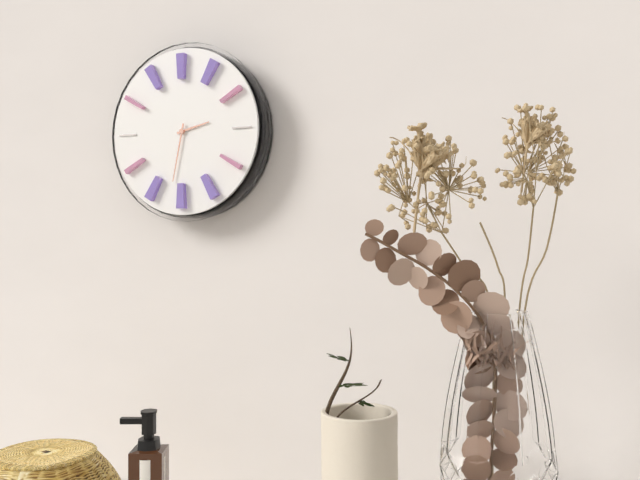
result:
2,32
